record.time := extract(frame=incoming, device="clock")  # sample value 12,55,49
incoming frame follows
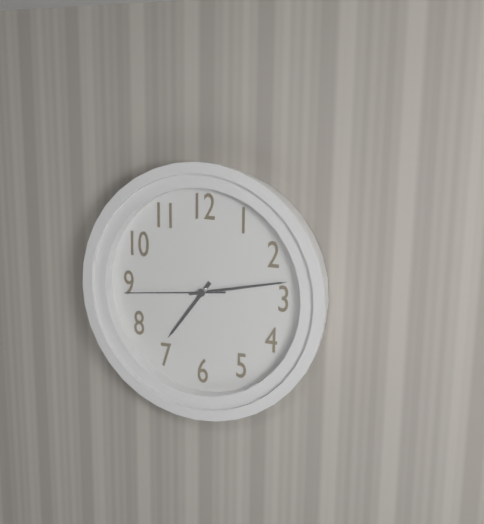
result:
7,13,44
